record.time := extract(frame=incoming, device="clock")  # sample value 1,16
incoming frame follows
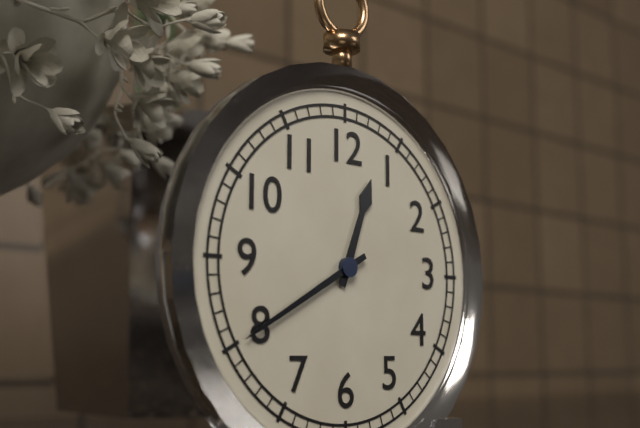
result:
12,40
